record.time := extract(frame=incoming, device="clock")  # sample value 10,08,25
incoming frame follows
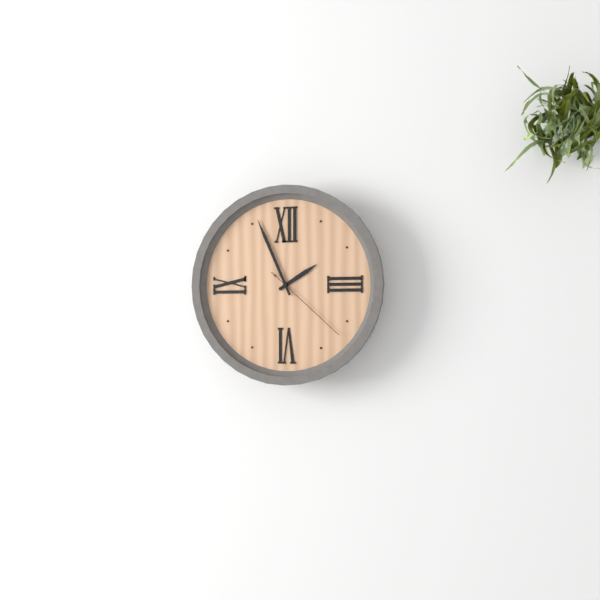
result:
1,56,22
